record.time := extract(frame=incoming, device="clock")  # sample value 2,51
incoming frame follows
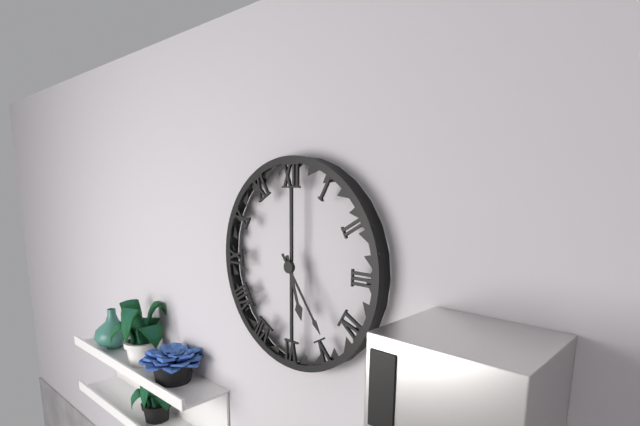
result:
5,24
